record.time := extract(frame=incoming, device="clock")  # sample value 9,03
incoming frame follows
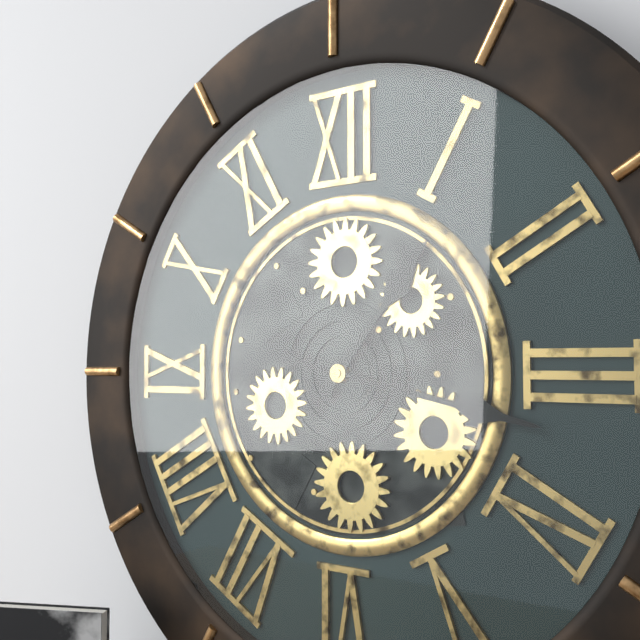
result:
1,17
